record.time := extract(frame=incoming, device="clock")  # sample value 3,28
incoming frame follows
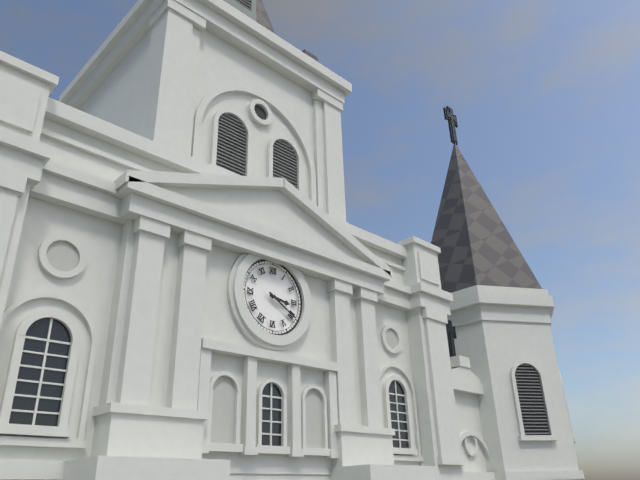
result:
3,20
